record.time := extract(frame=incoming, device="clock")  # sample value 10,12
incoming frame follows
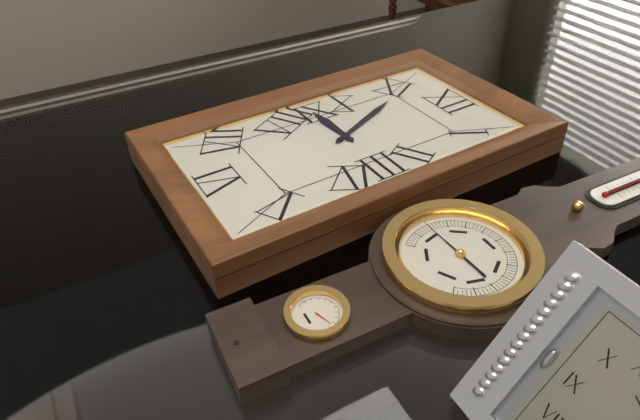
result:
8,56
